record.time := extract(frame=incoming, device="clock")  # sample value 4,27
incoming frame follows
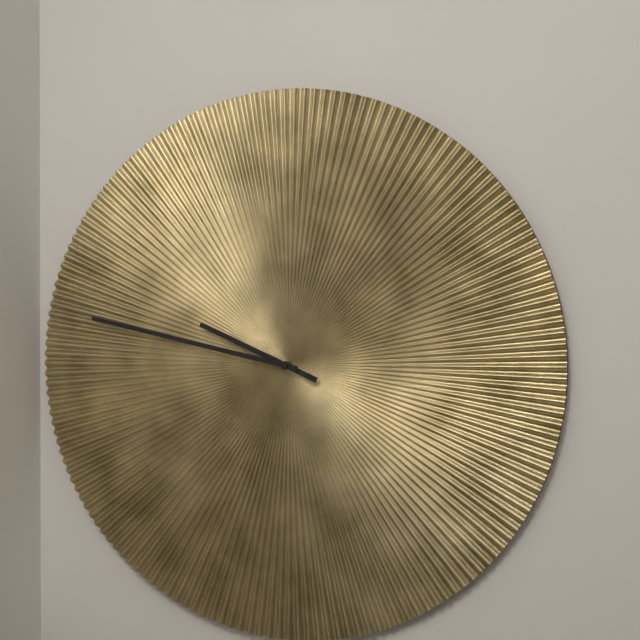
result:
9,47
